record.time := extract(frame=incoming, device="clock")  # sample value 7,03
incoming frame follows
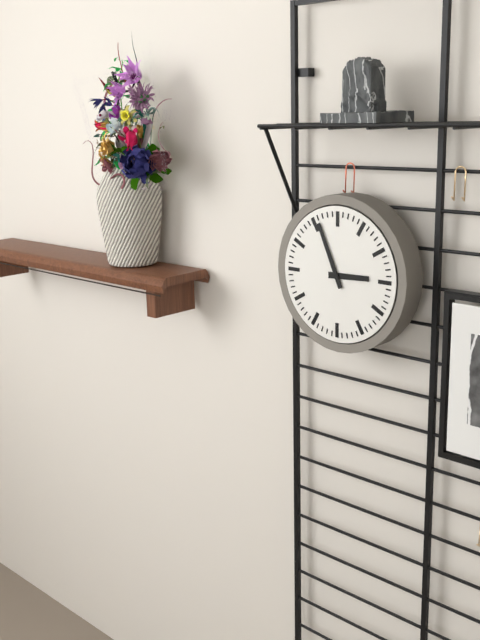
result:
2,56
